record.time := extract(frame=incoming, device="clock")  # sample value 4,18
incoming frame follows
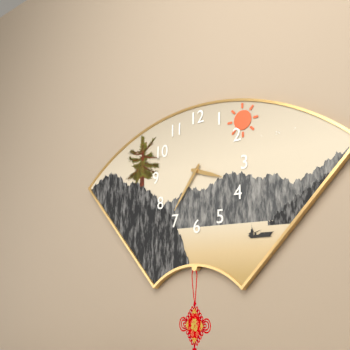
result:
3,36
